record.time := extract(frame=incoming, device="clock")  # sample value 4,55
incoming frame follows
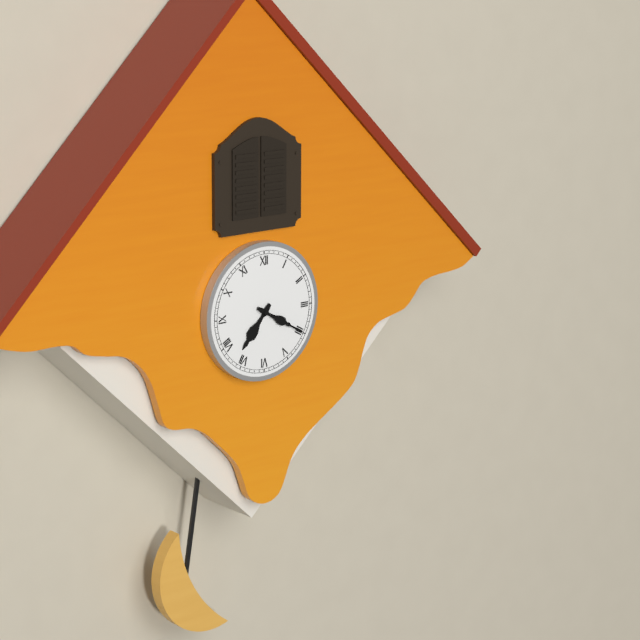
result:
7,20
